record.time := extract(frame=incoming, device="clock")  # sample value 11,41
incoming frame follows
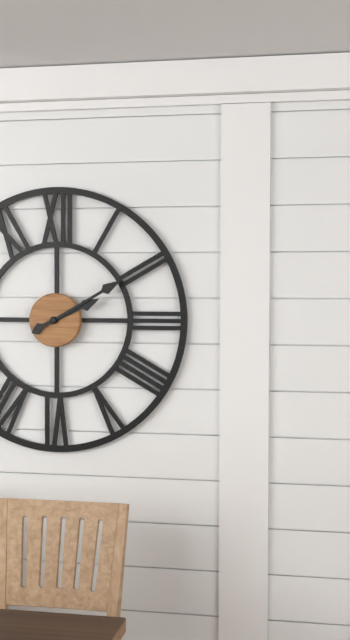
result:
2,10
